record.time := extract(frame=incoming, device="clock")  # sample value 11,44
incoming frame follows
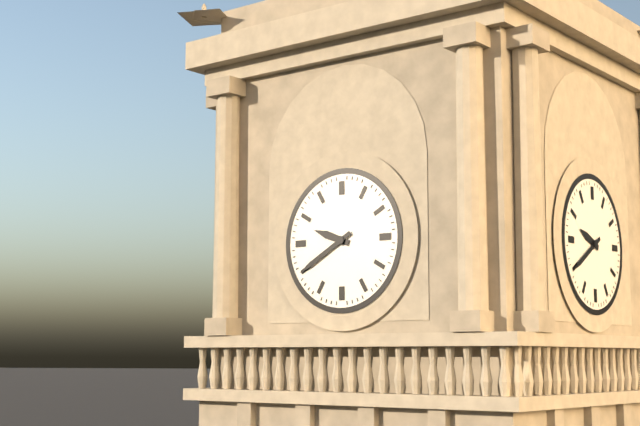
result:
9,40
